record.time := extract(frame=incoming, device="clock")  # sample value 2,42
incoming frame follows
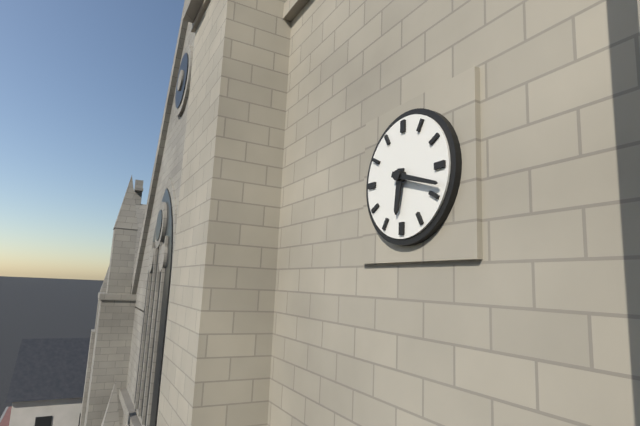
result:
6,18
